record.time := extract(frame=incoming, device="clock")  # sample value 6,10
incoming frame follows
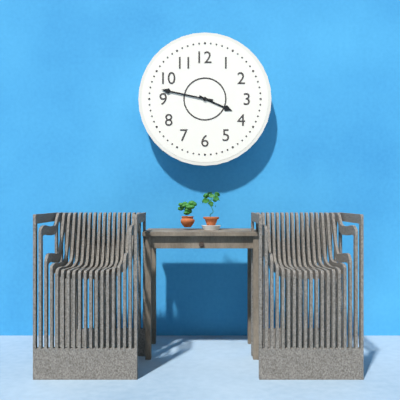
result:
3,47
